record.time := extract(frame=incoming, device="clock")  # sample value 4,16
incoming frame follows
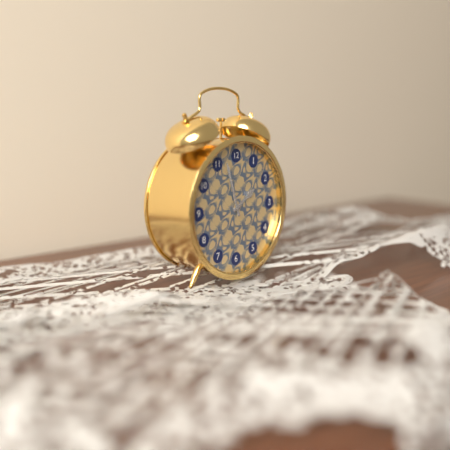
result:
1,57
